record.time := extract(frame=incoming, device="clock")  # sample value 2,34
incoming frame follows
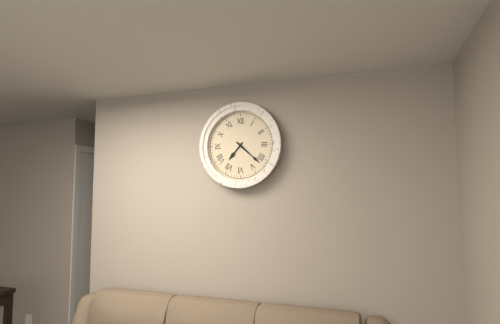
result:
7,22
